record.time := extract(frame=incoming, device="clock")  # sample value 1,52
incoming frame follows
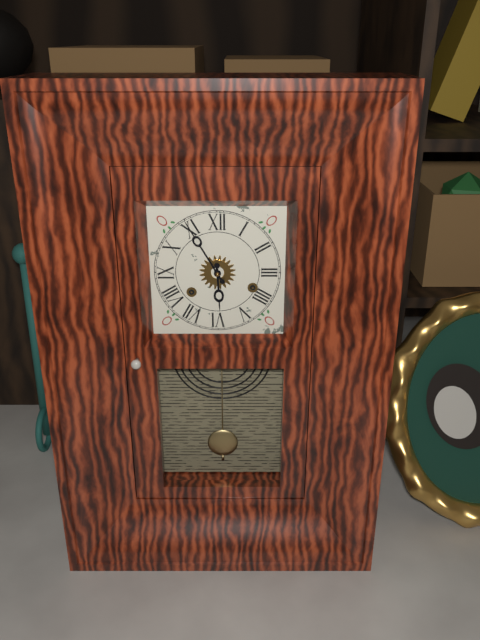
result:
5,55
